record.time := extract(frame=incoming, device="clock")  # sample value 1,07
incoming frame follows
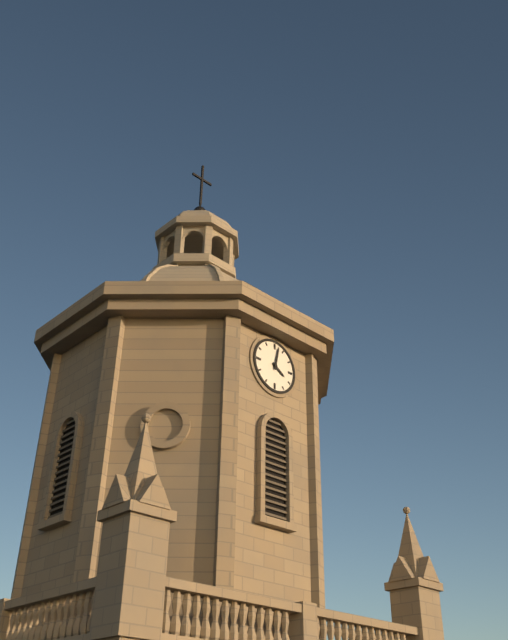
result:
4,02
